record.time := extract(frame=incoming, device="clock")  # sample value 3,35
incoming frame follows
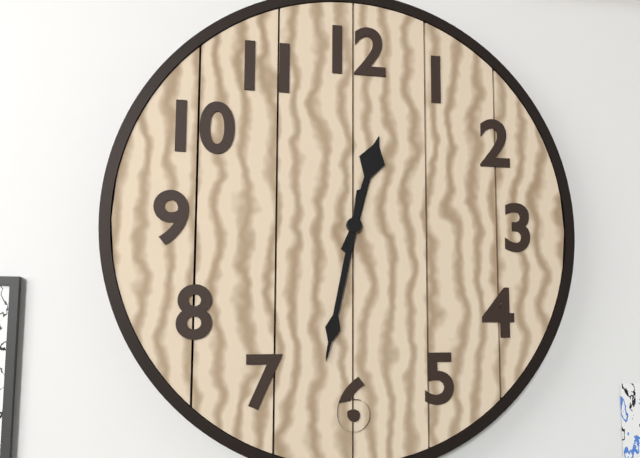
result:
12,32
